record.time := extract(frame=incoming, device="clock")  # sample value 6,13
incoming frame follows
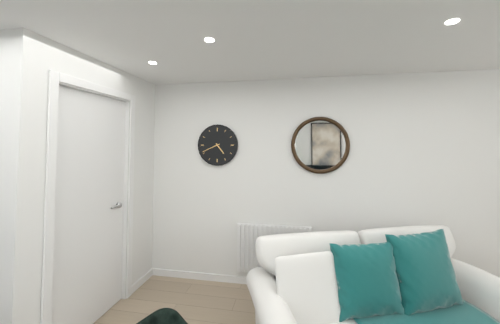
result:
4,41
